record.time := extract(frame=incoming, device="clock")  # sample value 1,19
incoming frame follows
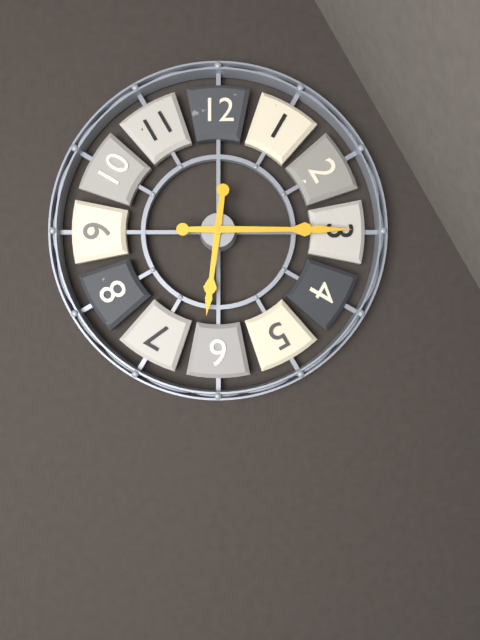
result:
6,15
